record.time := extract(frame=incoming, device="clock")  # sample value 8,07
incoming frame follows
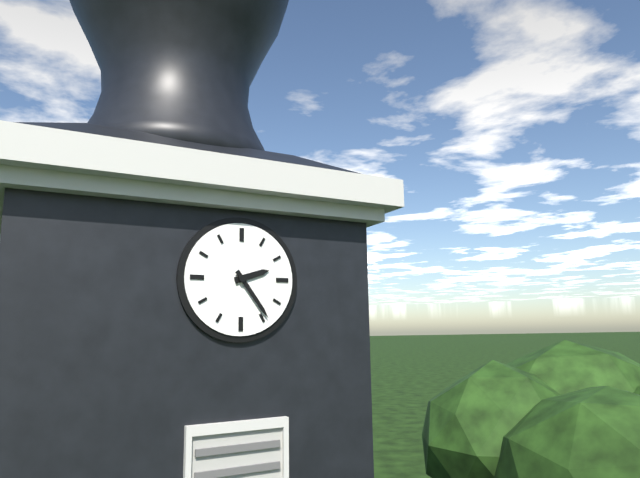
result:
2,24
